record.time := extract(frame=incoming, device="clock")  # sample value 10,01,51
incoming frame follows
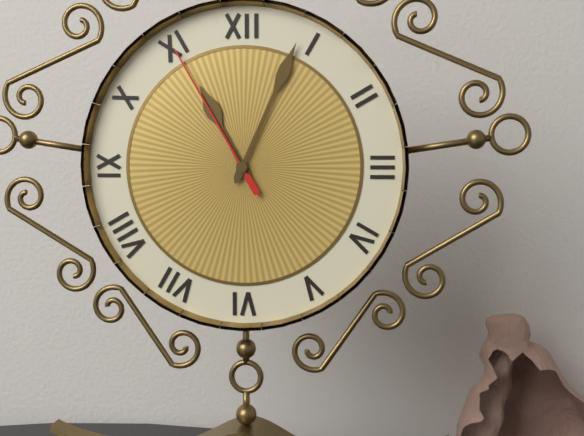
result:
11,04,55
